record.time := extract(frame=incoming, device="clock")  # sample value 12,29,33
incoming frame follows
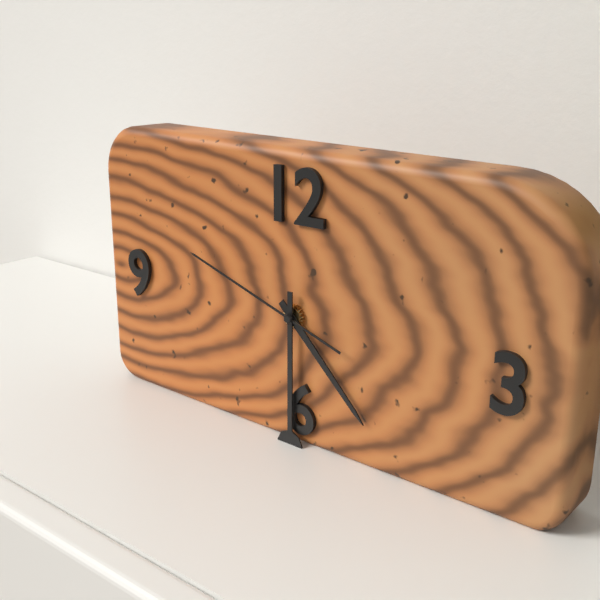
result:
4,30,48
